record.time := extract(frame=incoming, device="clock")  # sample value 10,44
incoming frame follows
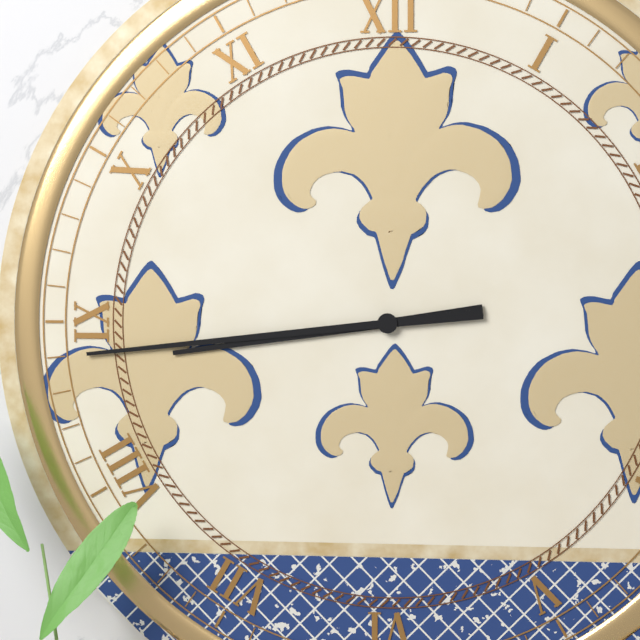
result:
8,44
